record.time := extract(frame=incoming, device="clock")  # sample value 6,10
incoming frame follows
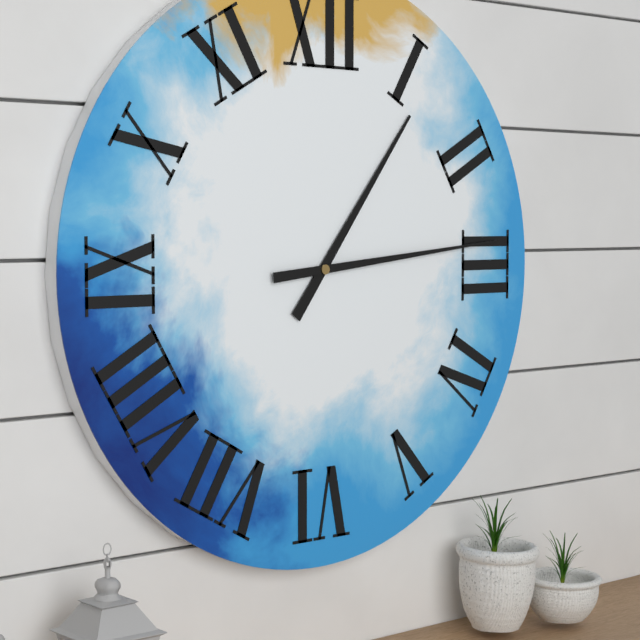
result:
1,14
